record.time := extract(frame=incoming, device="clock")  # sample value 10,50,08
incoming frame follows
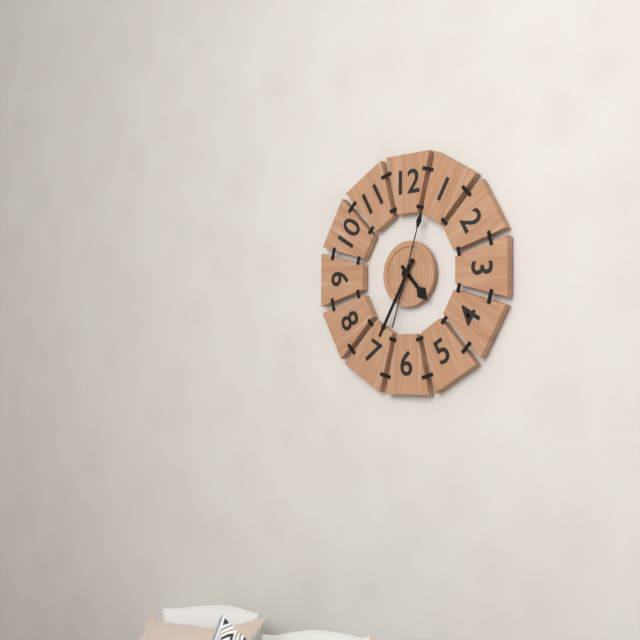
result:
4,35,03
